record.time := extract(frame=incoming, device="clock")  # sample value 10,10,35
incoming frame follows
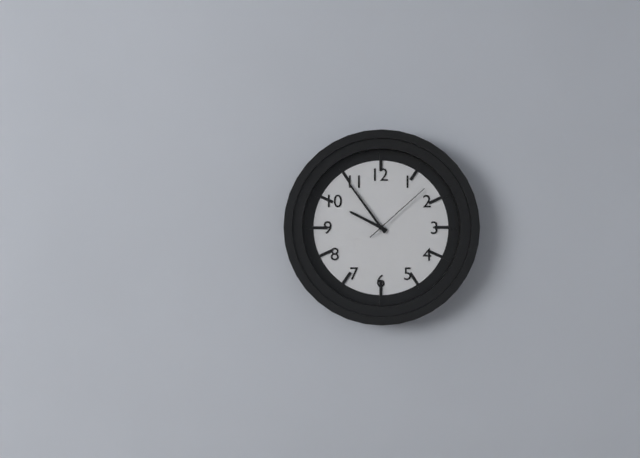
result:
9,54,08
